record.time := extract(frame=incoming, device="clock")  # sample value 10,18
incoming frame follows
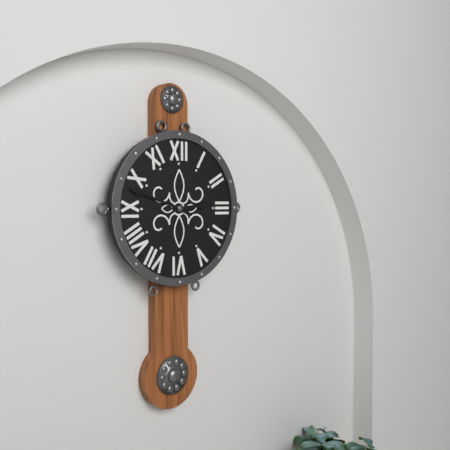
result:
2,48
